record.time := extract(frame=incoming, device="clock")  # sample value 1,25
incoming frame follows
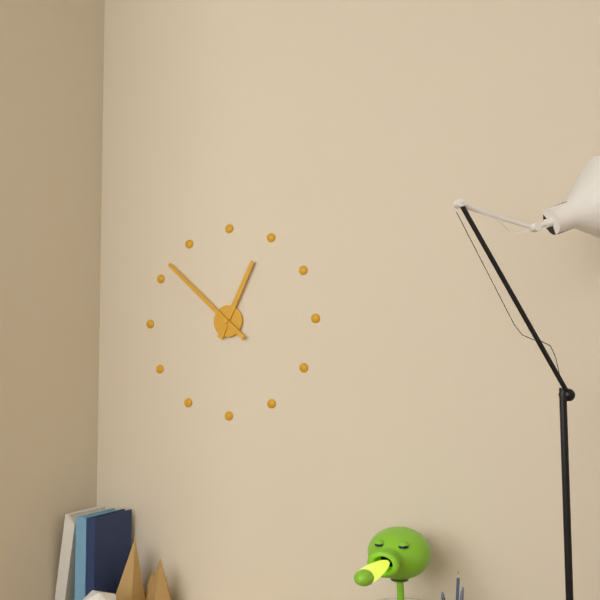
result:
12,52
